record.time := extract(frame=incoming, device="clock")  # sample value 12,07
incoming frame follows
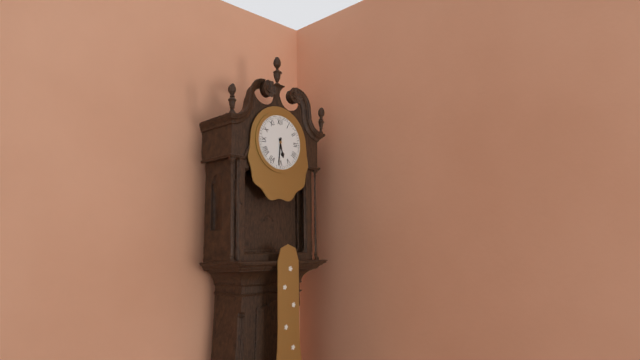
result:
5,31
